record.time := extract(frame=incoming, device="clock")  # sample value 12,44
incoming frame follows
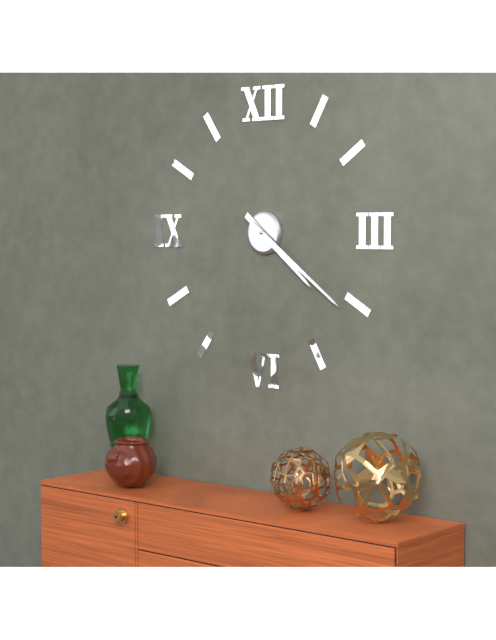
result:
4,21
